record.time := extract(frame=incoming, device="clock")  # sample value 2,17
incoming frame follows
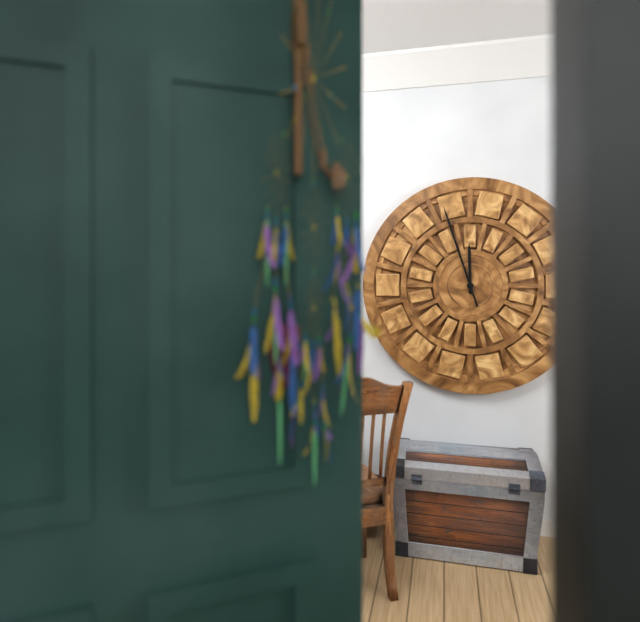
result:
11,57
